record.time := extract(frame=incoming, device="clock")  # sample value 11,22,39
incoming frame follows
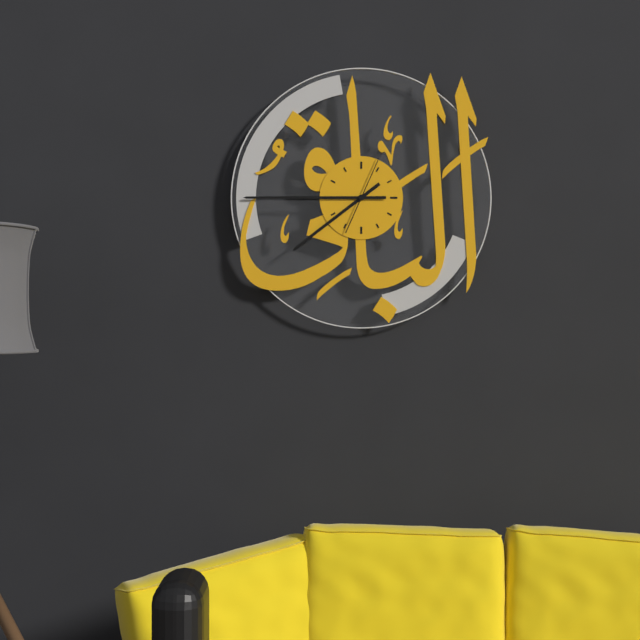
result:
7,45,04
